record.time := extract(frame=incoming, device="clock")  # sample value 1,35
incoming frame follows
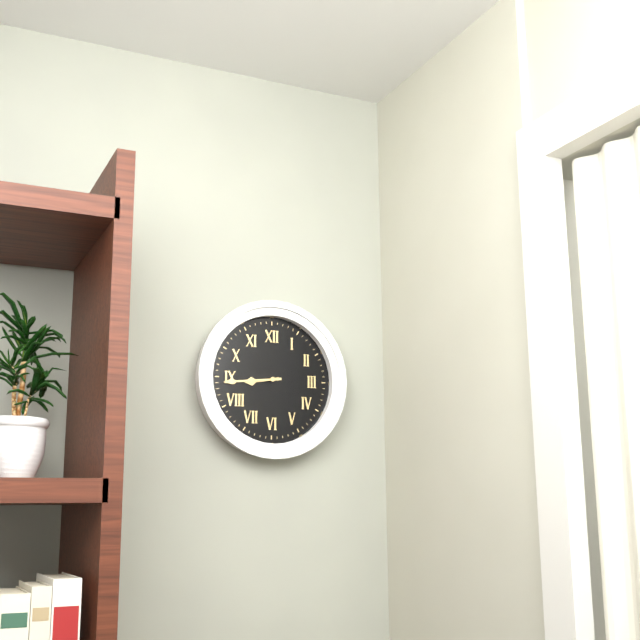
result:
8,44
